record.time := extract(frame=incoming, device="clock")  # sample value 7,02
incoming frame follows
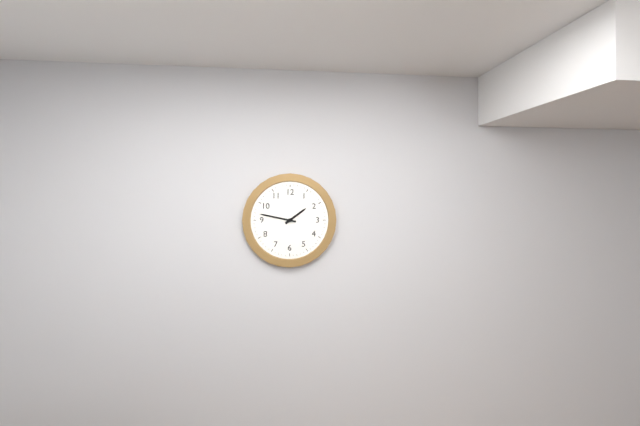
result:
1,47
